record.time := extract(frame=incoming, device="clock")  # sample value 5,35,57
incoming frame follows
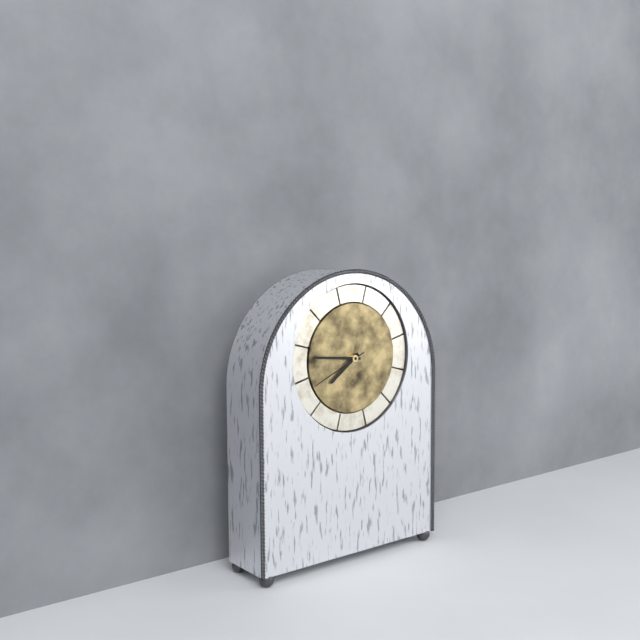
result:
7,46,41
